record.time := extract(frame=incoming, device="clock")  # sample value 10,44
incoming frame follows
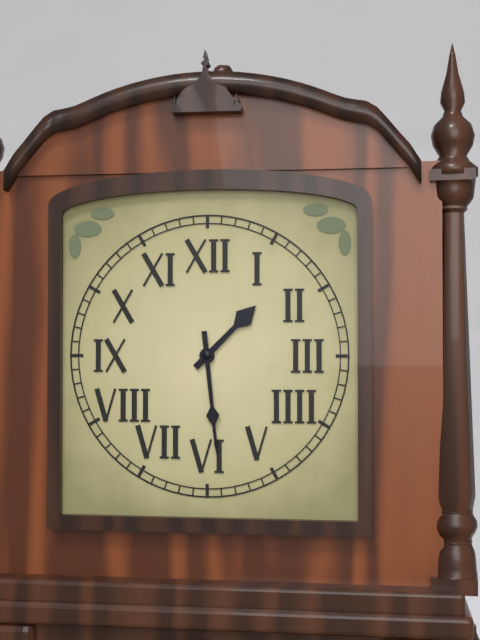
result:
1,29
